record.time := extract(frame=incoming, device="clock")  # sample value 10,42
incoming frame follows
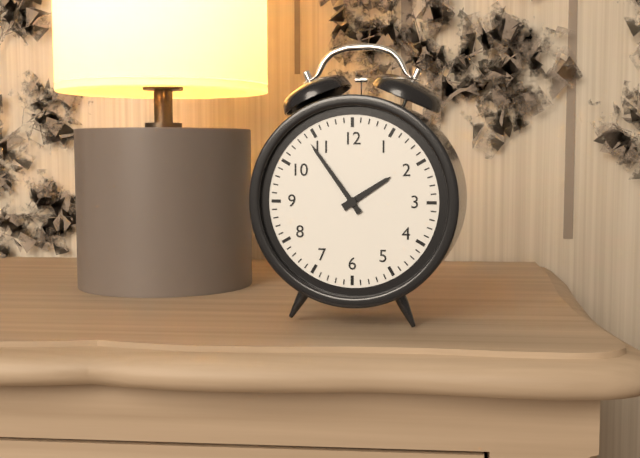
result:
1,54
